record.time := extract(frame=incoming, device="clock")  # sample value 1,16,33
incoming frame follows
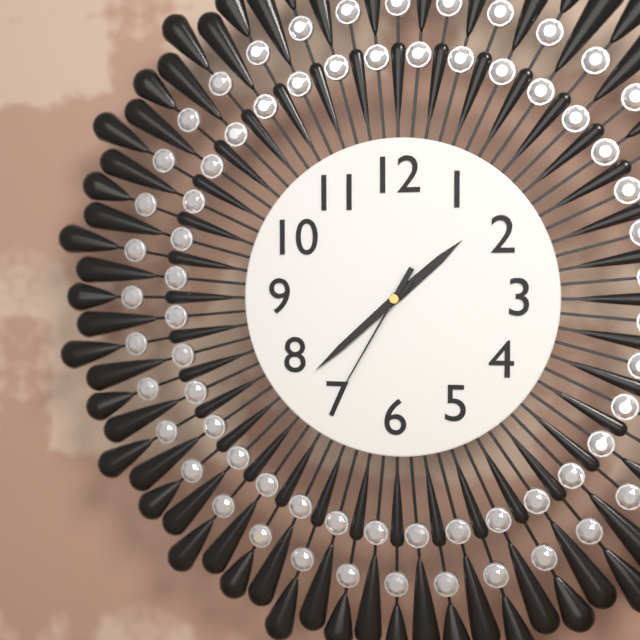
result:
1,38,35
